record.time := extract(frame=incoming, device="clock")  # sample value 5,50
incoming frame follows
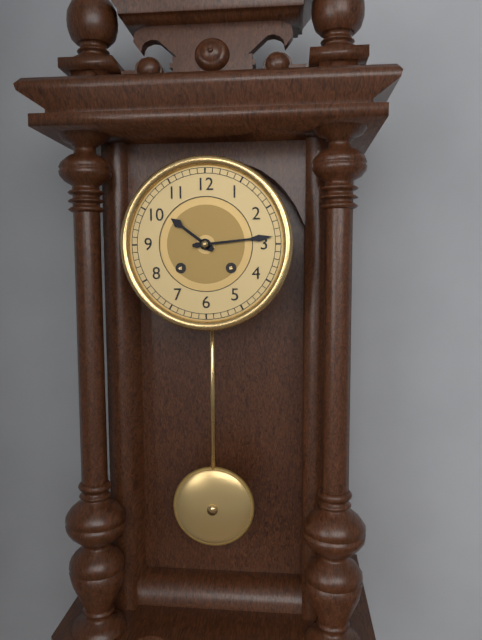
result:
10,14
